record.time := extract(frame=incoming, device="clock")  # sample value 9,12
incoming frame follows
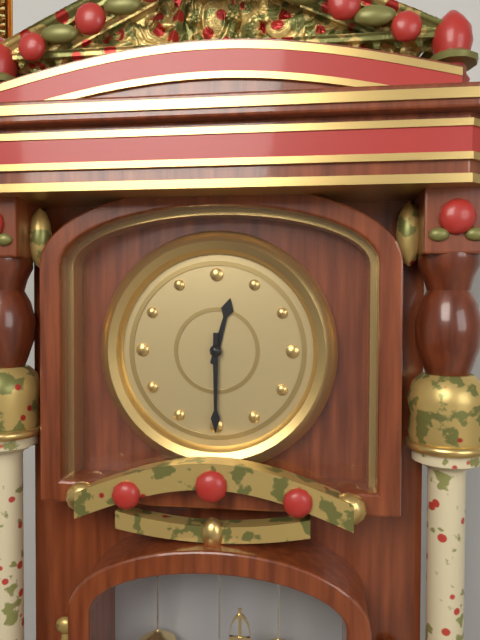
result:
12,30
